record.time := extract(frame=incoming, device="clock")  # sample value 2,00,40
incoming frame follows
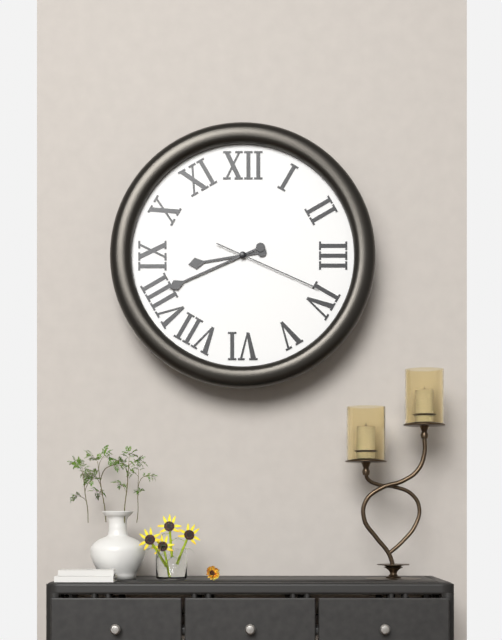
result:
8,41,19
